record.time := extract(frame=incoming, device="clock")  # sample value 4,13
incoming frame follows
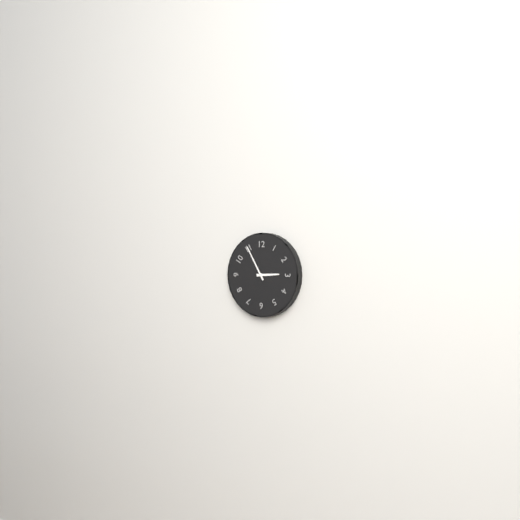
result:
2,55
